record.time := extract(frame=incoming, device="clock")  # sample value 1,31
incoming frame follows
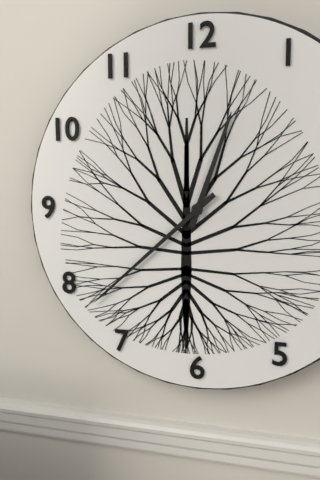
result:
12,38
